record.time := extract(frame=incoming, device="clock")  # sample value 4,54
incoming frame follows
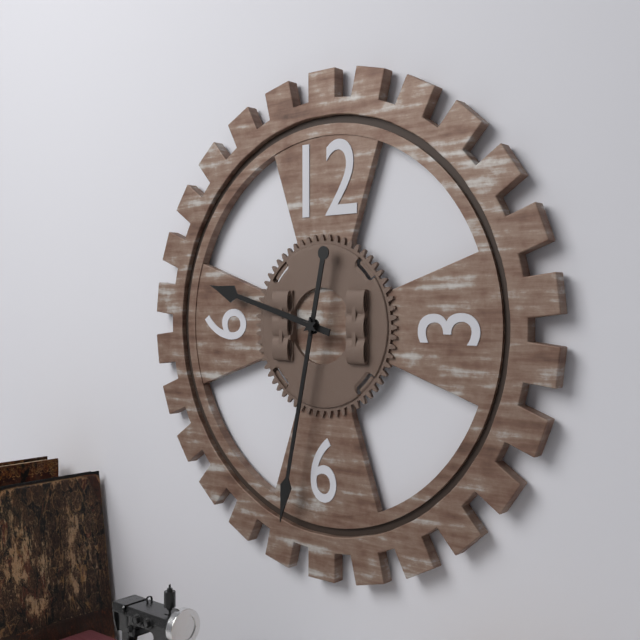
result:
9,32
